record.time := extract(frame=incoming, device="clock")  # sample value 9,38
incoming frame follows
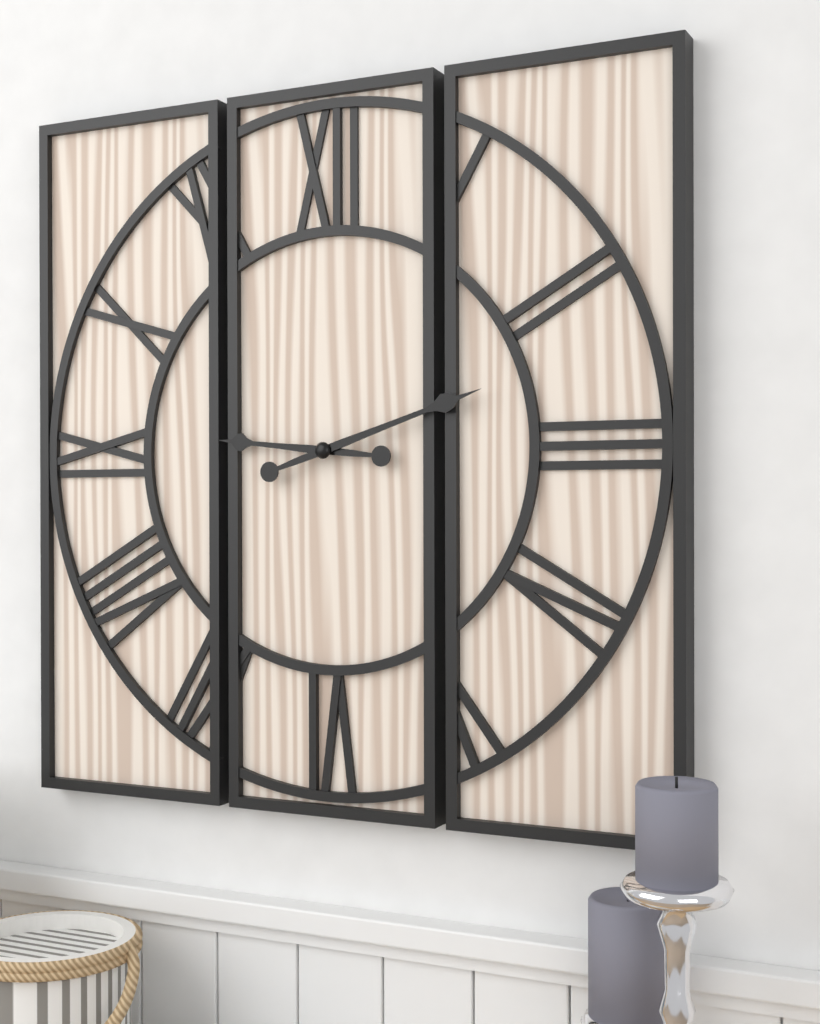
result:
9,12
